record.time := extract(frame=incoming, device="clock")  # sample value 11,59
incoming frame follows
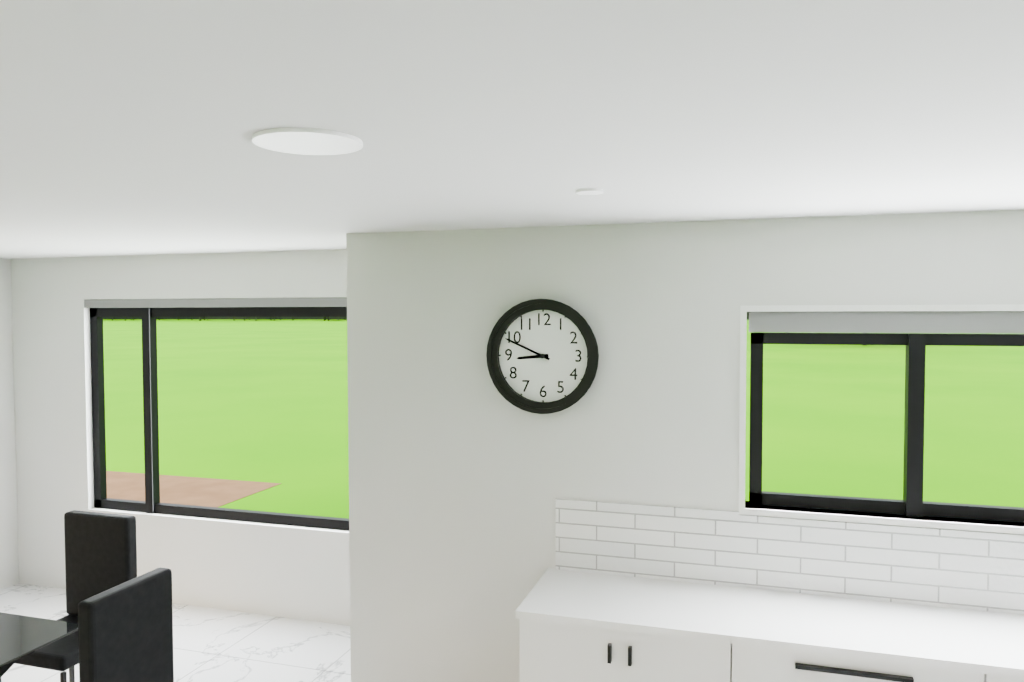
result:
8,49
